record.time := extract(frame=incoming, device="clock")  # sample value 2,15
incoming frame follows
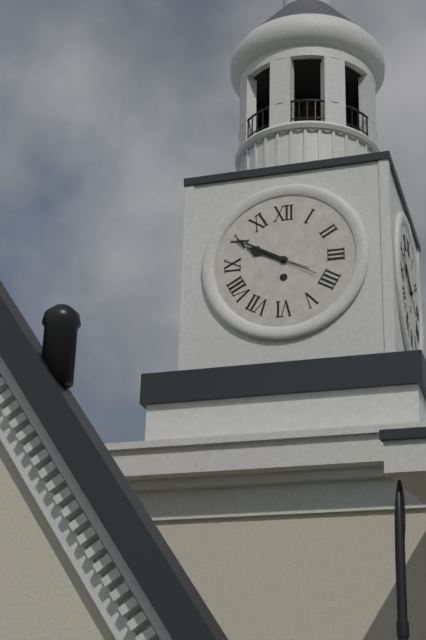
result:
9,50
